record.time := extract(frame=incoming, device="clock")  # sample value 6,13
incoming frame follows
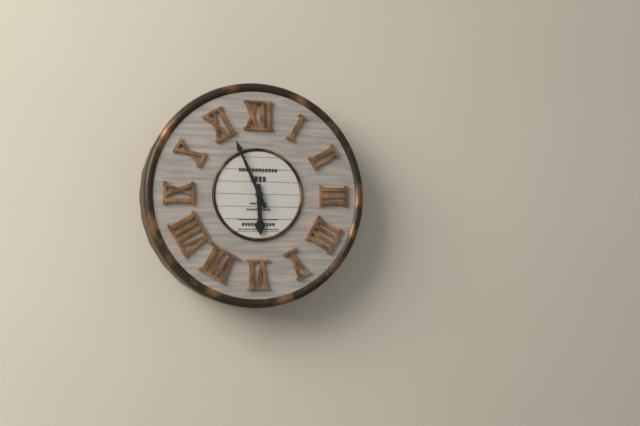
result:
5,56
